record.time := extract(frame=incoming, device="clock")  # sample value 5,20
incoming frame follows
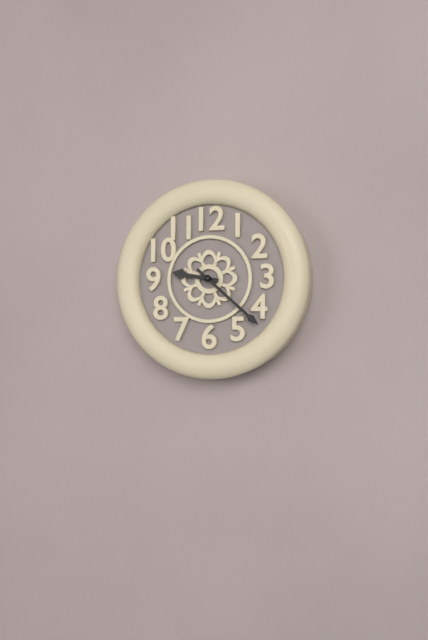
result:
9,22
